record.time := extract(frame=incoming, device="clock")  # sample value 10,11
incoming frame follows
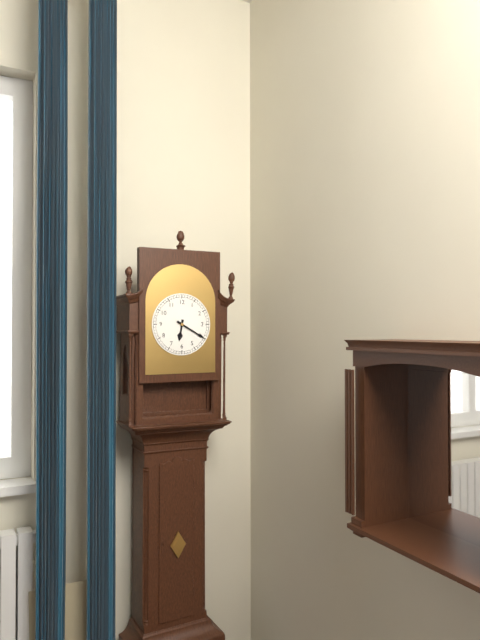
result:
6,20
